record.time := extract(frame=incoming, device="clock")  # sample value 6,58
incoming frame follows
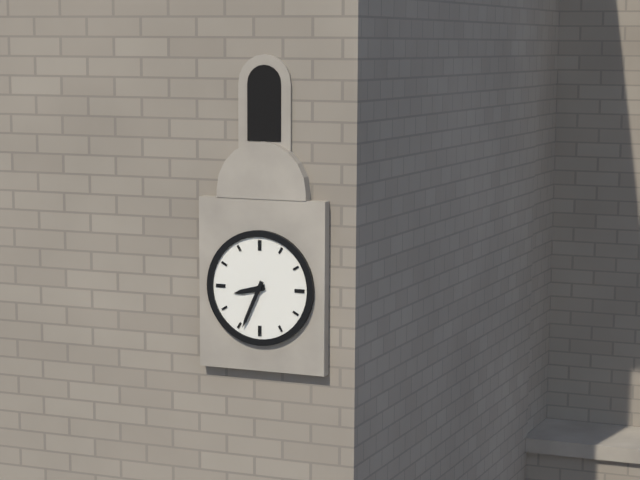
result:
8,34
